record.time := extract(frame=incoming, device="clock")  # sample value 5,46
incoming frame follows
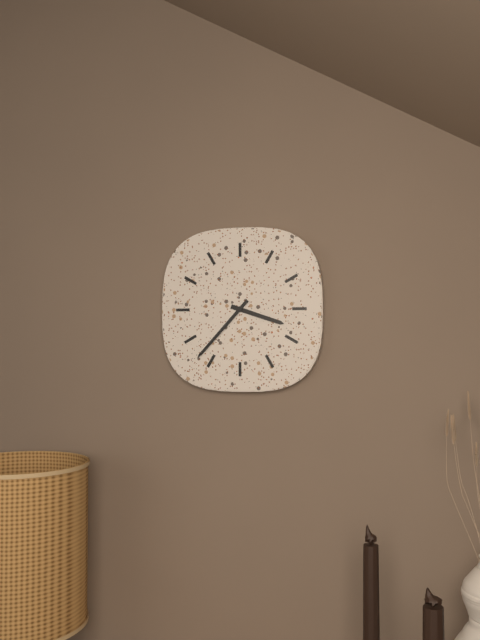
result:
3,37
